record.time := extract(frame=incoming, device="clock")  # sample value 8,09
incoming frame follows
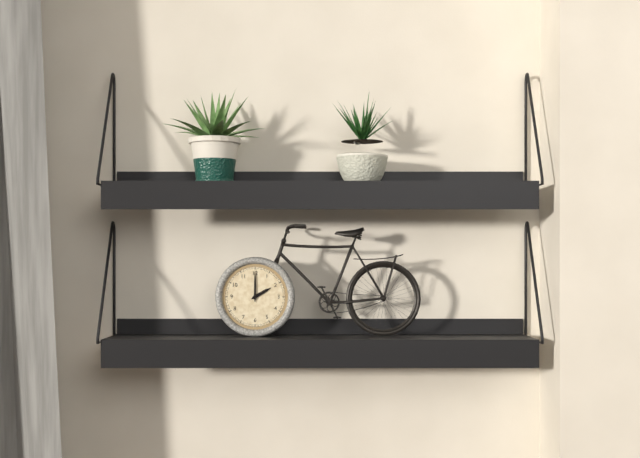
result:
2,00
